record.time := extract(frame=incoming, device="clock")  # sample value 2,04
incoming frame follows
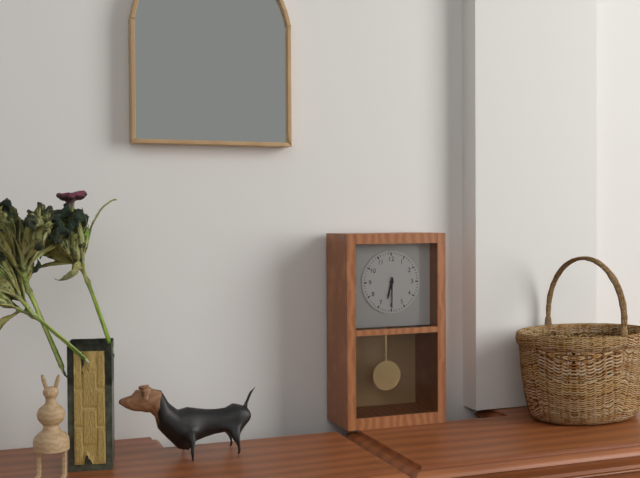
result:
6,30
